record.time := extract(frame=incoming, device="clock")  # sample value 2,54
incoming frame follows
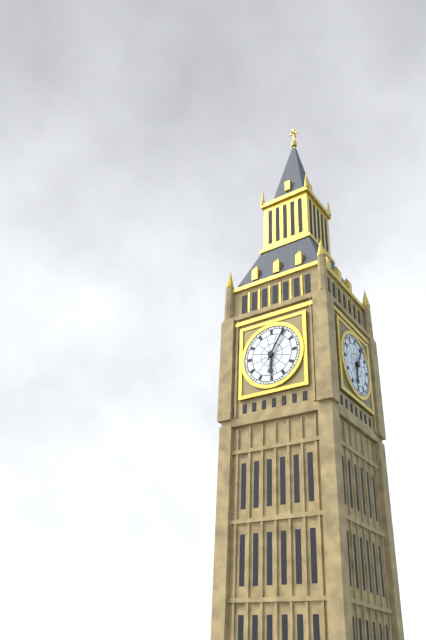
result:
6,05
